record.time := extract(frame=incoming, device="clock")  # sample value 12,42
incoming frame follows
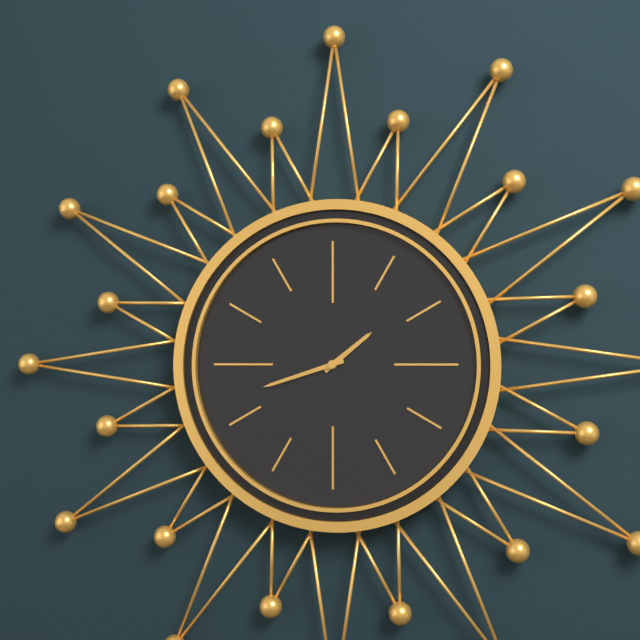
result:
1,42
